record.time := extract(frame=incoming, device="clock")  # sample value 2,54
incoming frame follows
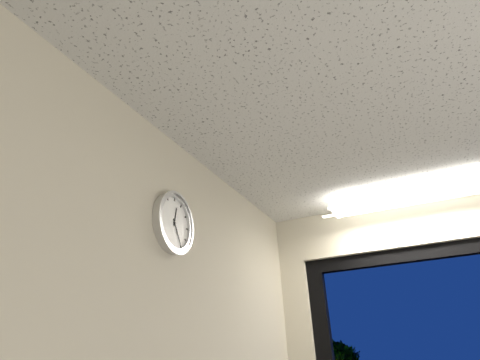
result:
12,25
